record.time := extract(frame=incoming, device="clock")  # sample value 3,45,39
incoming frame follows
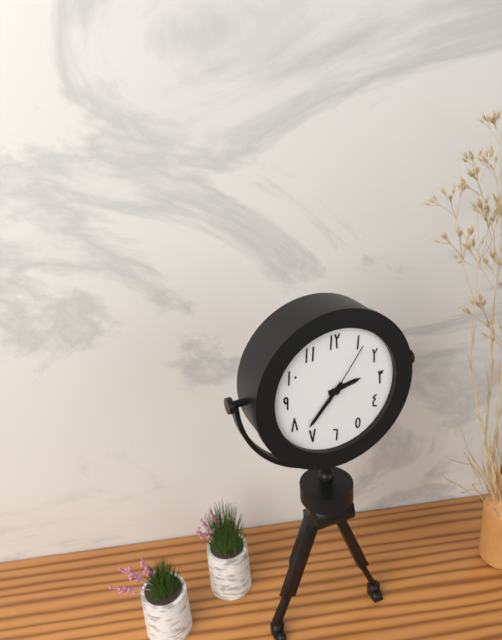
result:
2,37,06
